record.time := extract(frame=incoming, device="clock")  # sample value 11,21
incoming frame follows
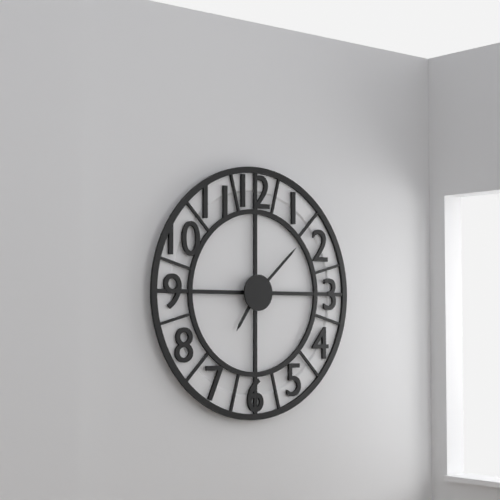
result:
7,08
